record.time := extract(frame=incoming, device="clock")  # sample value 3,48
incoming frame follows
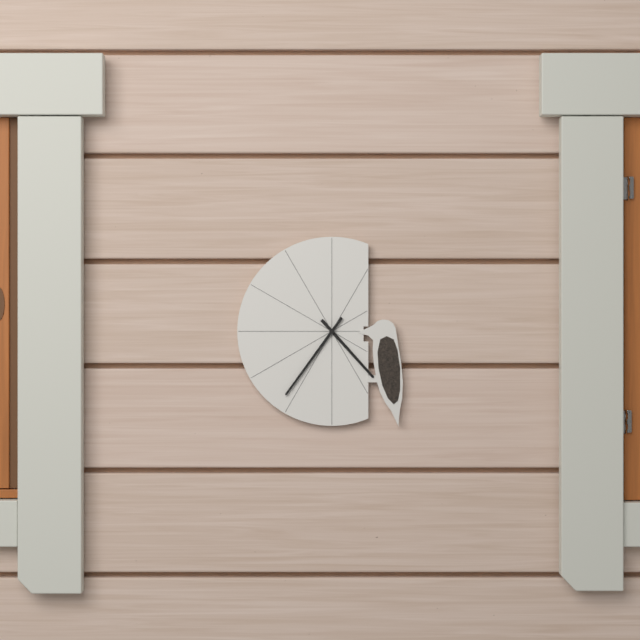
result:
4,36
